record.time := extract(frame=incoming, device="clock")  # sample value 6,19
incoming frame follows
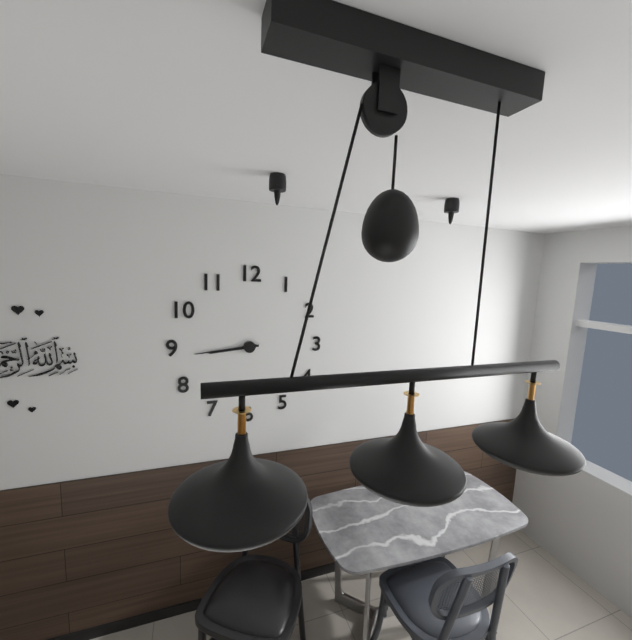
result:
8,44
